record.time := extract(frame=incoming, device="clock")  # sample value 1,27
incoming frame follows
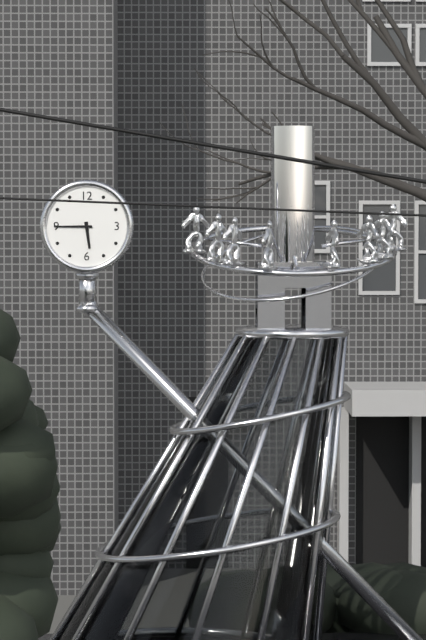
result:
5,45
